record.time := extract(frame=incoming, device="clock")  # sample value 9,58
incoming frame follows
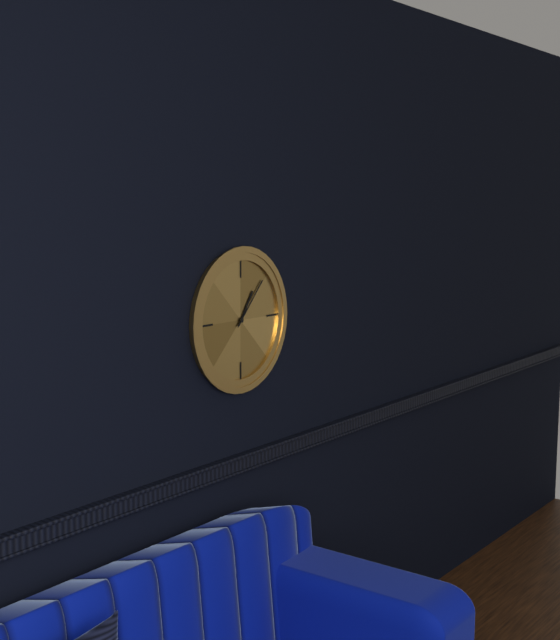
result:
1,07
